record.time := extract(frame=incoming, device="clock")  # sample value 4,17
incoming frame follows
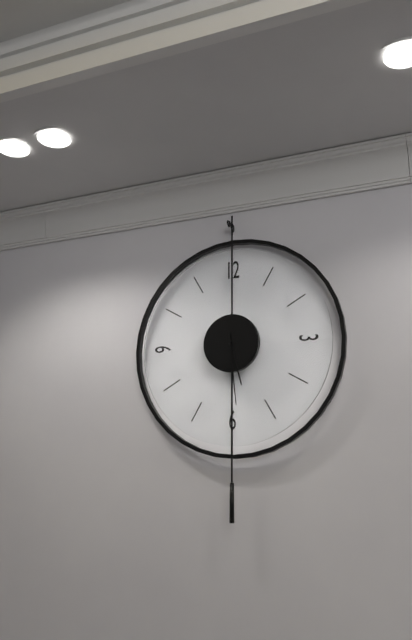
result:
5,29
